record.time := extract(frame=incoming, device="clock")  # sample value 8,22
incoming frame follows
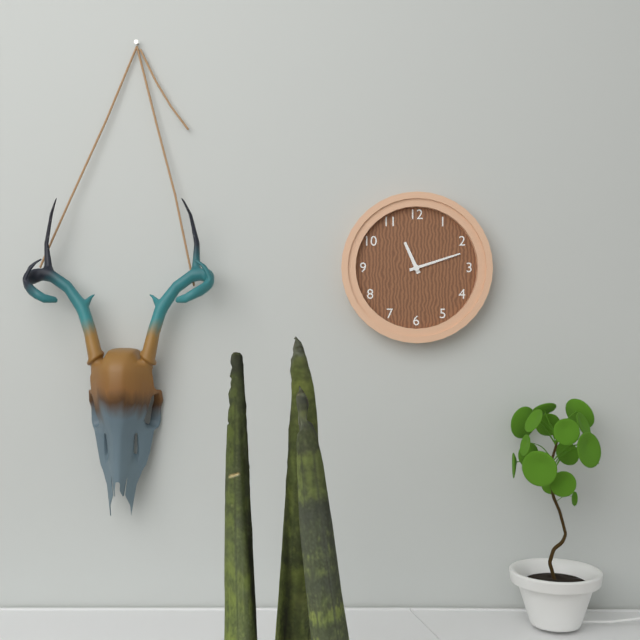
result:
11,12
